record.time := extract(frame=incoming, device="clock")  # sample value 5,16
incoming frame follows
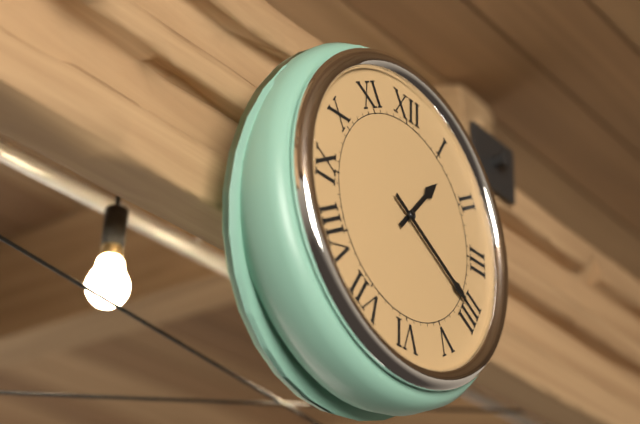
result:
1,20
